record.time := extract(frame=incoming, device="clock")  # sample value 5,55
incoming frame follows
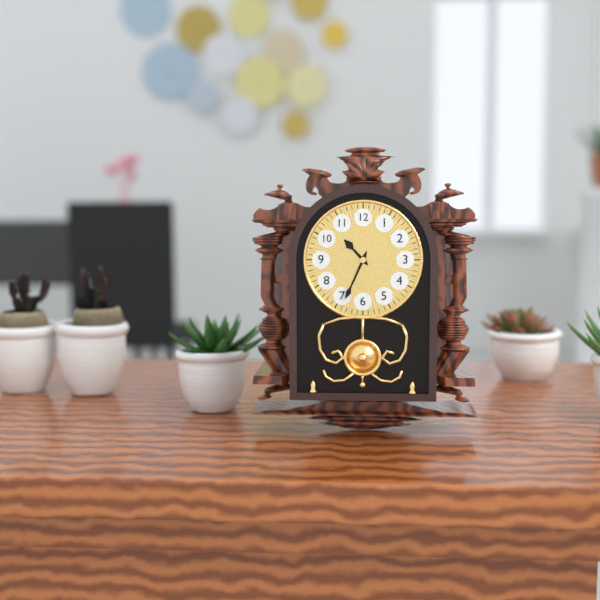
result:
10,34
